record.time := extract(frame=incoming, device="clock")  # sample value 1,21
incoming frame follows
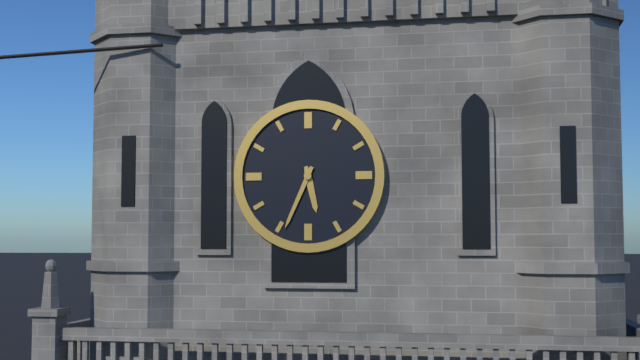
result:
5,34
